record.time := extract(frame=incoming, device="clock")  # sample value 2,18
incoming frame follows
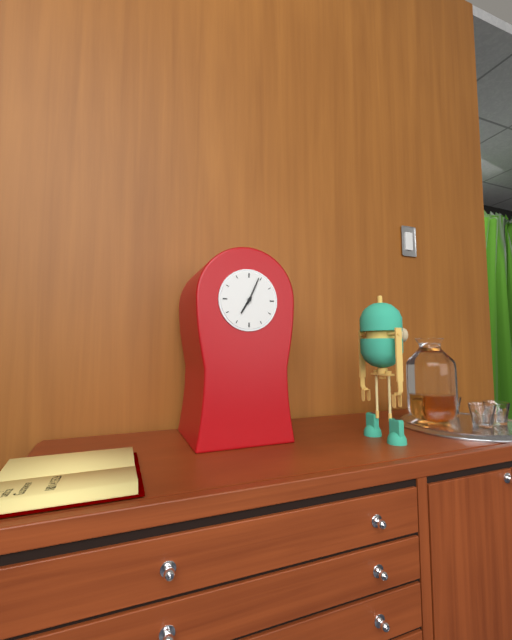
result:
7,04
